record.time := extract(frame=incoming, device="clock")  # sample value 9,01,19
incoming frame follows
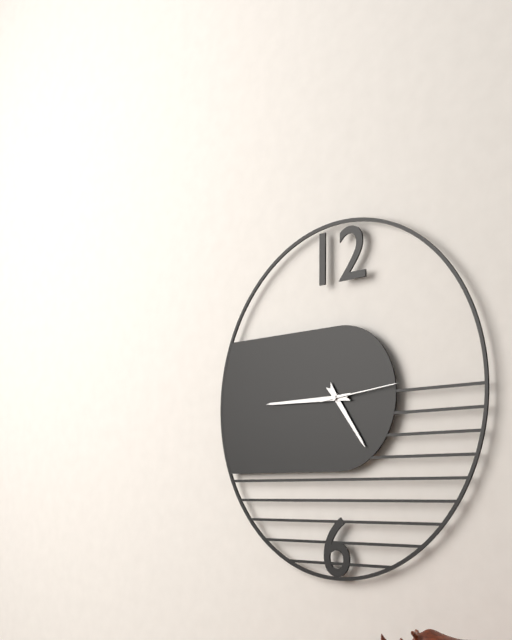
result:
4,45,14
